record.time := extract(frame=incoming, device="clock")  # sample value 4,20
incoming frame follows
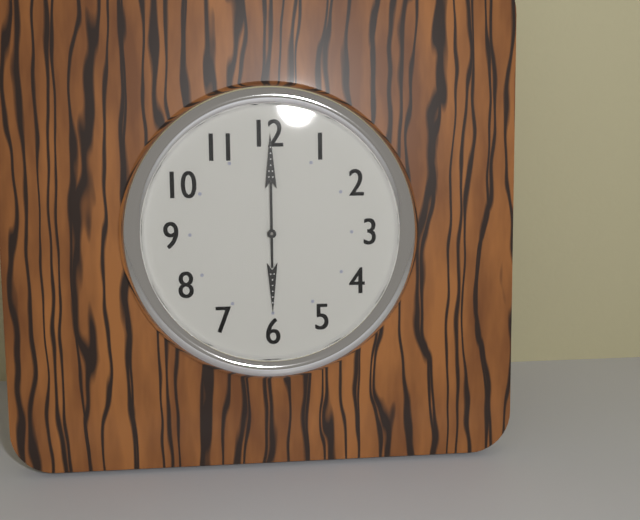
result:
6,00
